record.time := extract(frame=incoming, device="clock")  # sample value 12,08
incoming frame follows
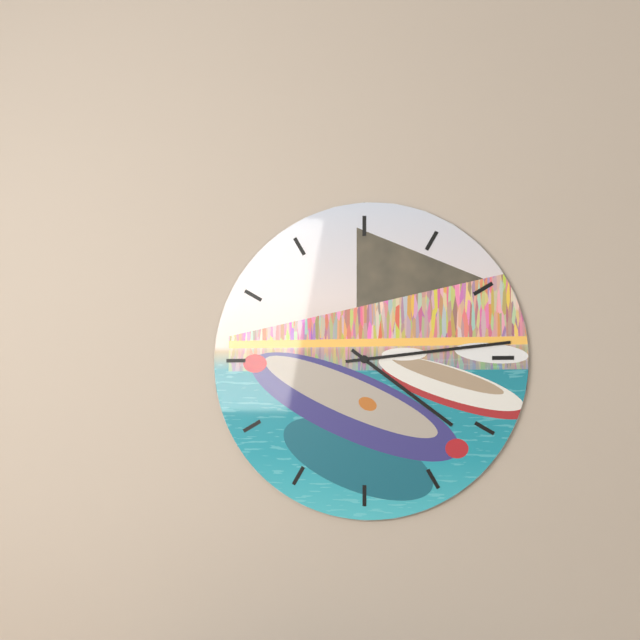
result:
4,14
